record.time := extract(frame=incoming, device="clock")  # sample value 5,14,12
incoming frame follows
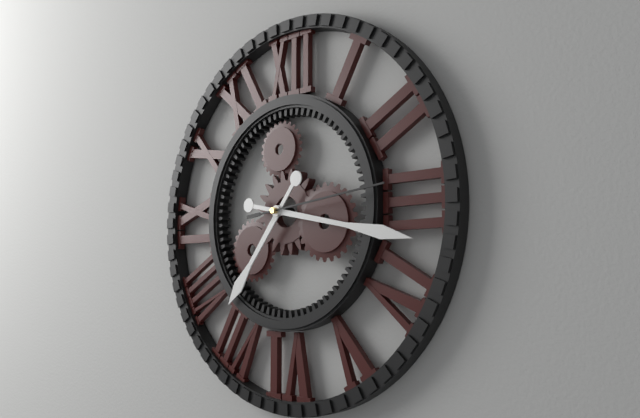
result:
7,17,14
